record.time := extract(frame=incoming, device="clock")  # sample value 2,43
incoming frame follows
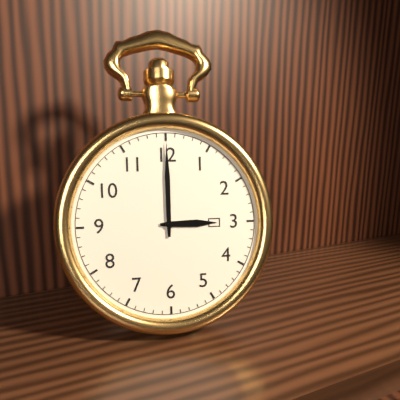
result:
3,00
